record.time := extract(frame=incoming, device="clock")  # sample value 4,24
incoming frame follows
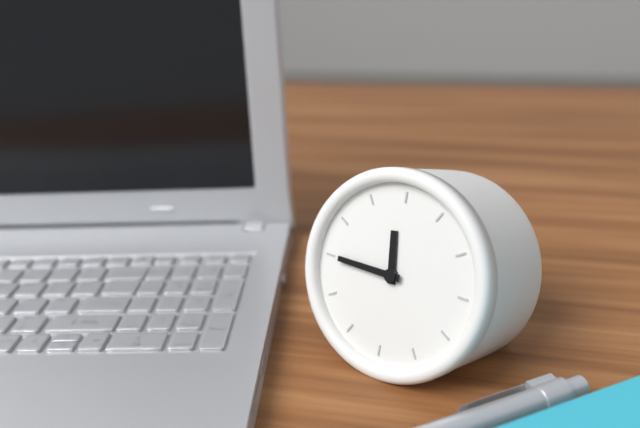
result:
11,45
